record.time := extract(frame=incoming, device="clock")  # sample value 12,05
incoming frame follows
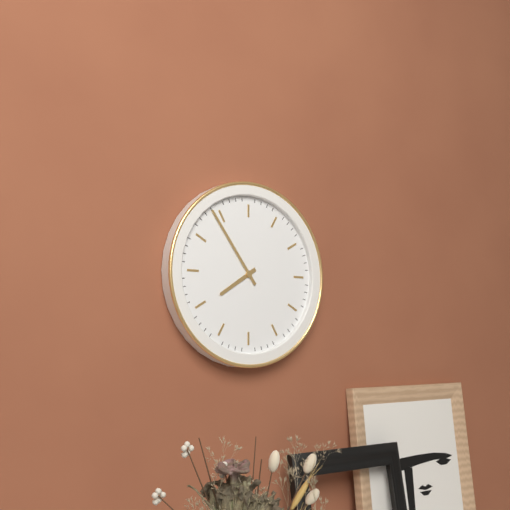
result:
7,54
